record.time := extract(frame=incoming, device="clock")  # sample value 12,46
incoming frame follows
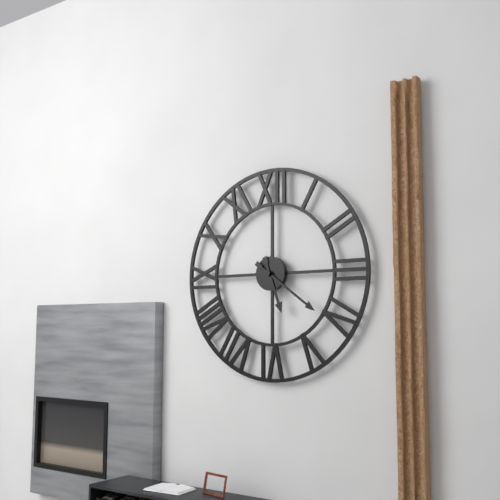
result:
5,21
